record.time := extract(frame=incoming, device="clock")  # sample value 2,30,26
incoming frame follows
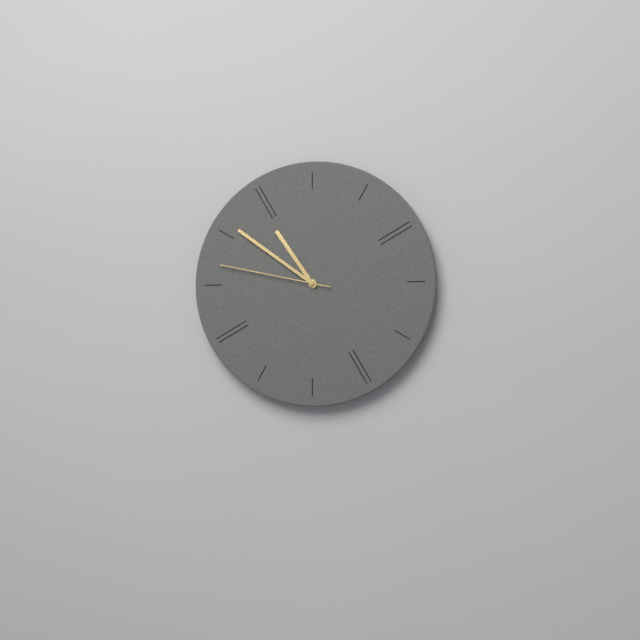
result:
10,51,47
